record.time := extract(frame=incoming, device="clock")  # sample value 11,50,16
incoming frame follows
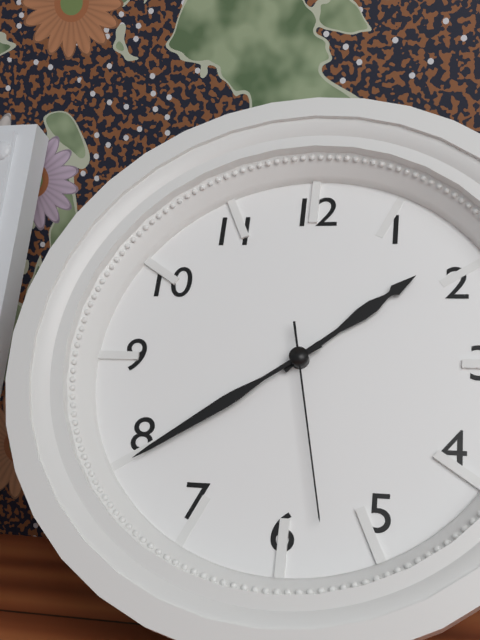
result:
1,39,28
